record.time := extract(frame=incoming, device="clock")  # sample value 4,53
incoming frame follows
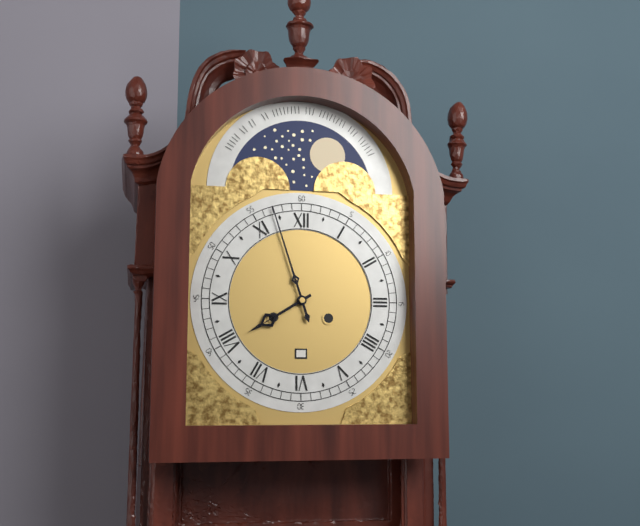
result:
7,57
